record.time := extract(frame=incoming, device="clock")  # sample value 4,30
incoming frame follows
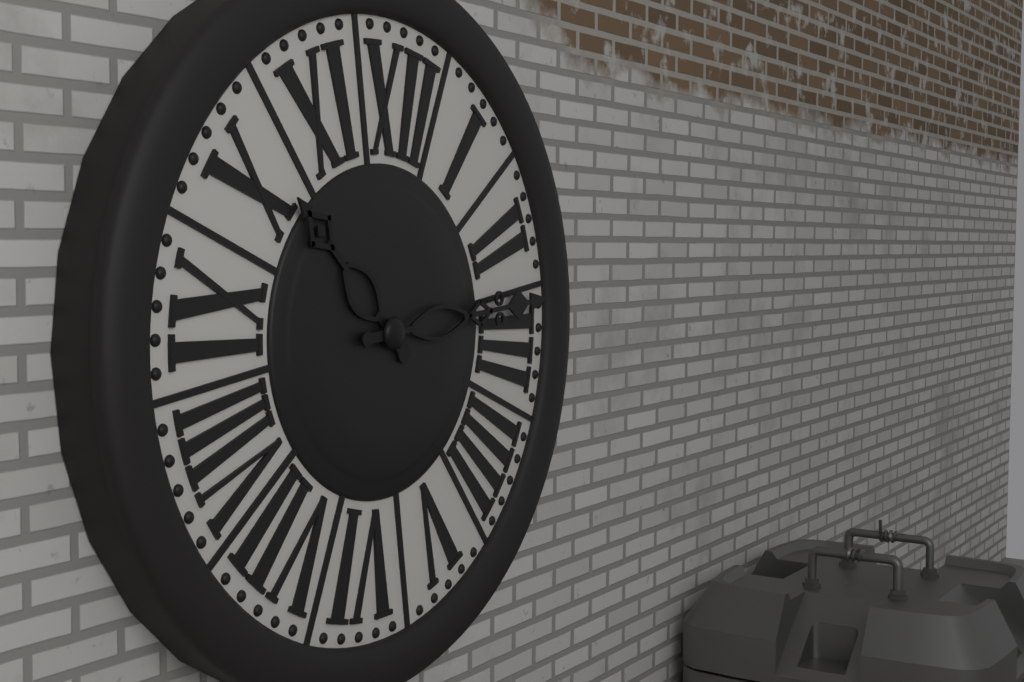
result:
10,13
